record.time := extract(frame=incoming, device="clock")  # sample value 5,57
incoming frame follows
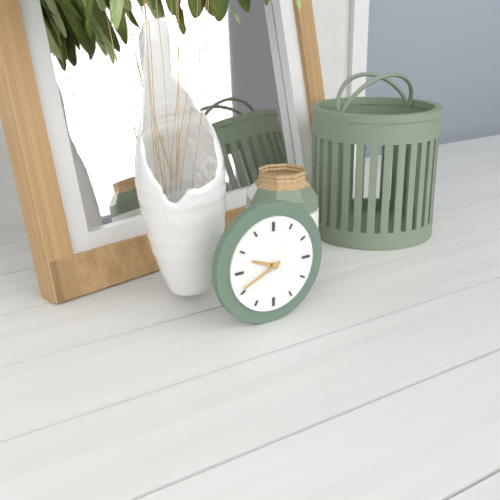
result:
9,41
